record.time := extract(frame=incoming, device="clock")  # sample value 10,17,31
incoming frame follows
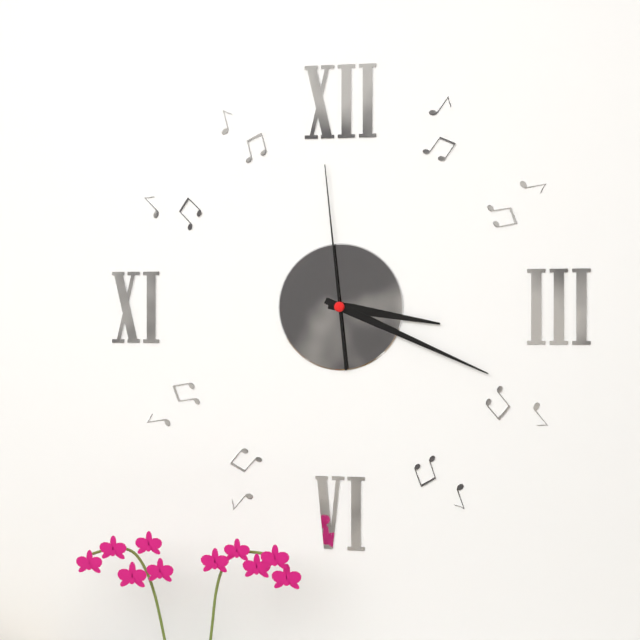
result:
3,19,59
